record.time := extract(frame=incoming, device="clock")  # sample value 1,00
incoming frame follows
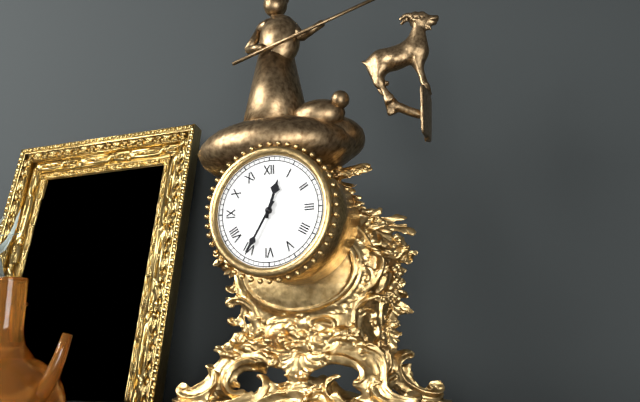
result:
12,35
